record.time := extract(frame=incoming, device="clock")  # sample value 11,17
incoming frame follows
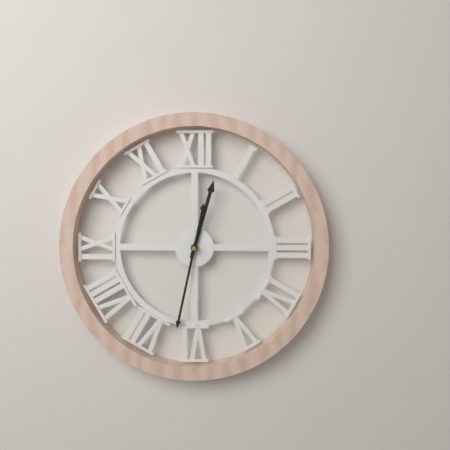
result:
12,32
